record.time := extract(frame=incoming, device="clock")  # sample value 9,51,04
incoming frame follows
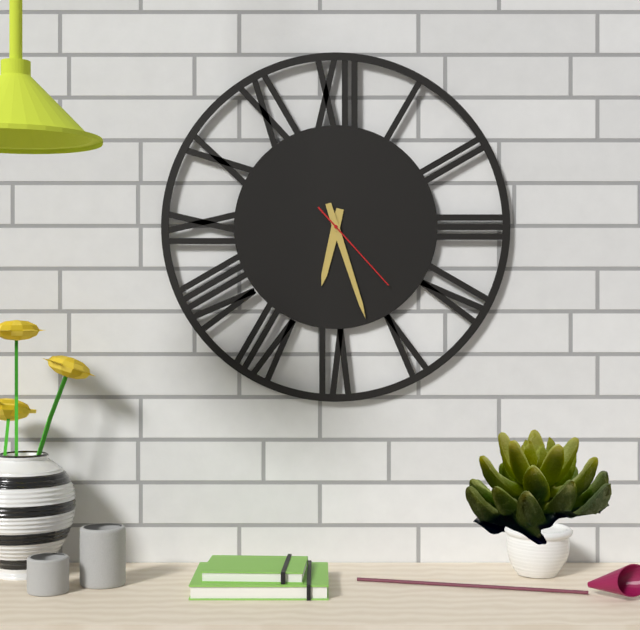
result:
6,27,23
